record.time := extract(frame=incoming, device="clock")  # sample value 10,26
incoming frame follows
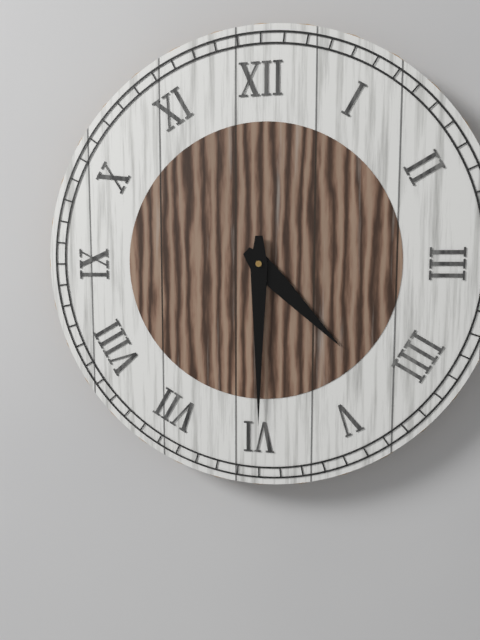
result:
4,30
